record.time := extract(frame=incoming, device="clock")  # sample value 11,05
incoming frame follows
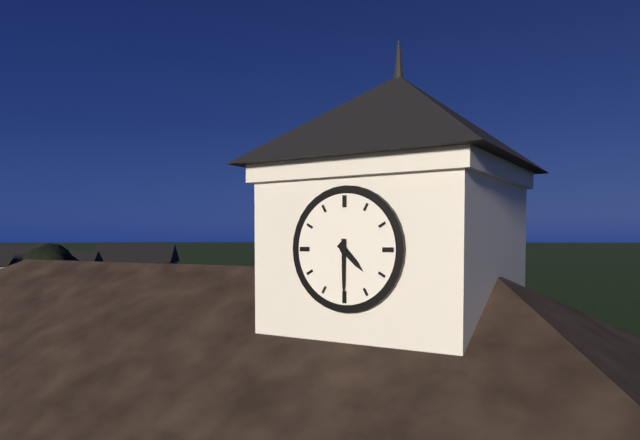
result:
4,30
